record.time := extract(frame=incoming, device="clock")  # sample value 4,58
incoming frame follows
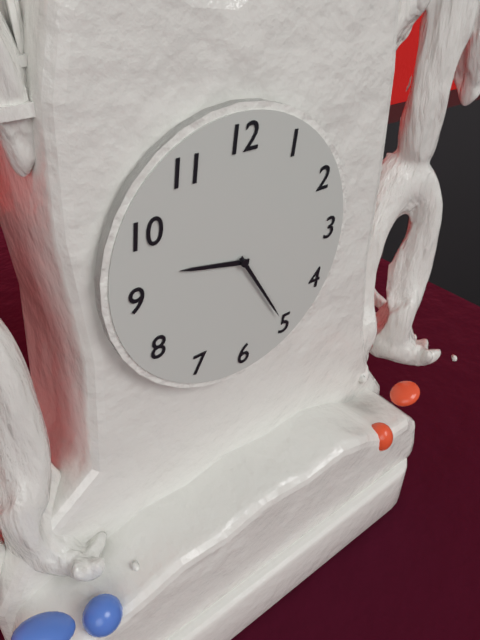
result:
9,25
